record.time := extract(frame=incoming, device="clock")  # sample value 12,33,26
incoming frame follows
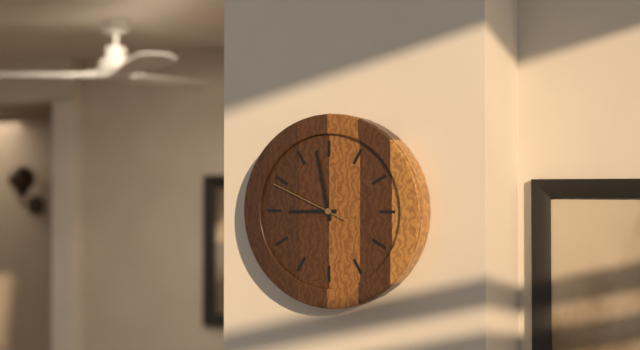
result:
8,58,49
